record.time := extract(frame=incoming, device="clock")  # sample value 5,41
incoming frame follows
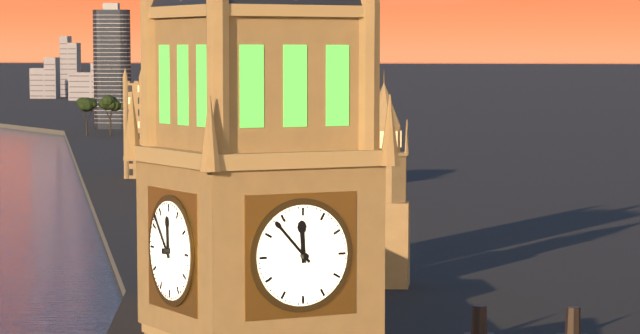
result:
11,53
